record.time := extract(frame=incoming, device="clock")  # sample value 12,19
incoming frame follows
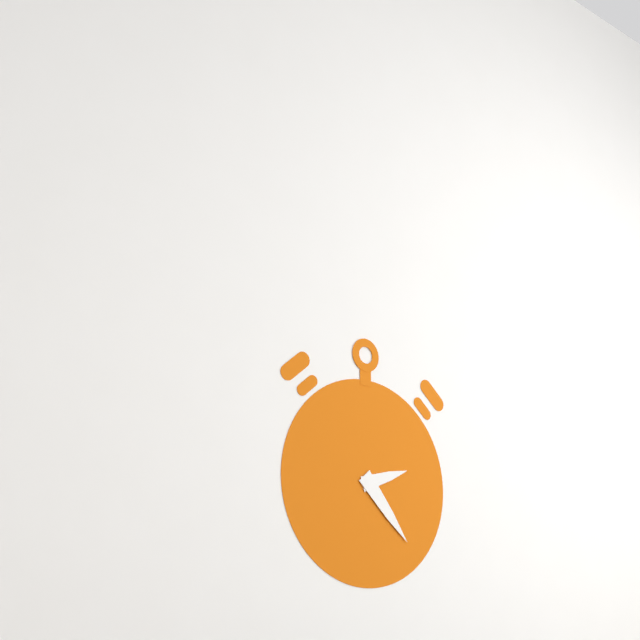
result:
2,23
